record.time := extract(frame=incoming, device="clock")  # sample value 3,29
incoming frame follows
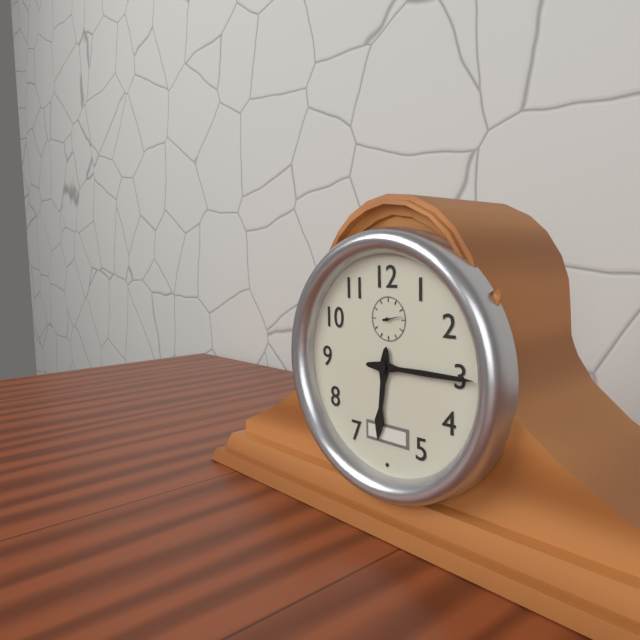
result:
6,15
